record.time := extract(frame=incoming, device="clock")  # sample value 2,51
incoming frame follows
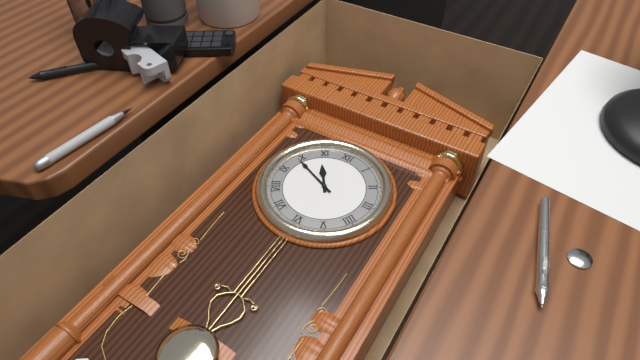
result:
10,49
